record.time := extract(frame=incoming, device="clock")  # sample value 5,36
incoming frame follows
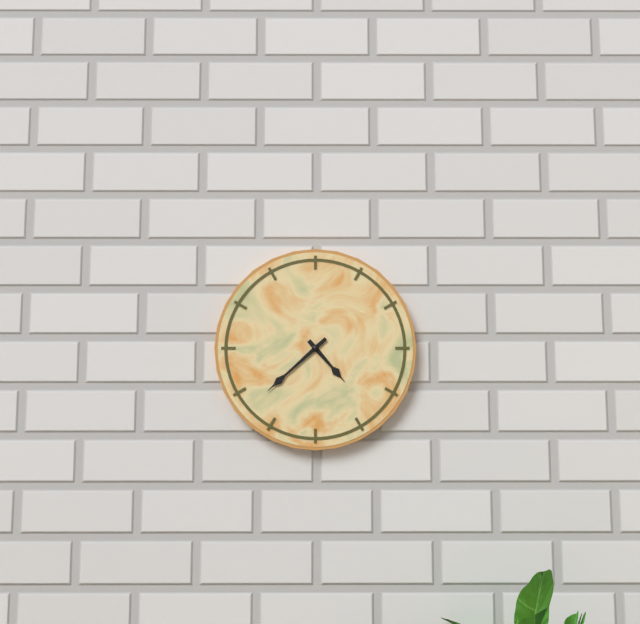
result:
4,38
